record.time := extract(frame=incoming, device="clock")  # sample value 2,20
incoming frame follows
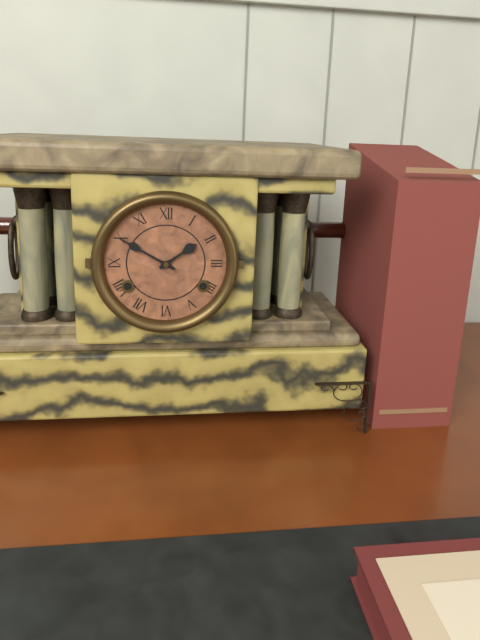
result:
1,50
